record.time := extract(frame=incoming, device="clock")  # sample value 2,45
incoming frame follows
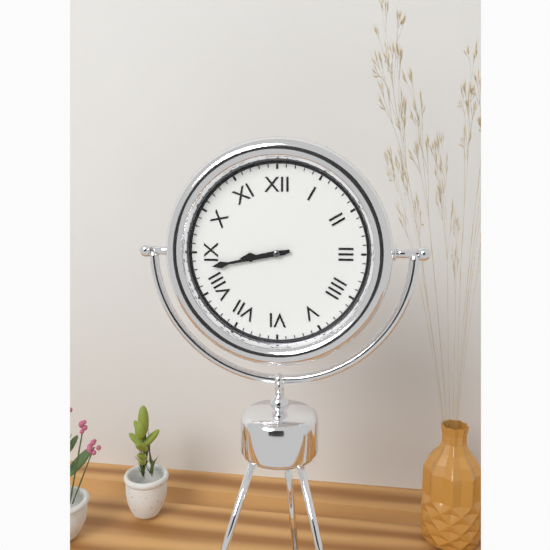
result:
8,43
